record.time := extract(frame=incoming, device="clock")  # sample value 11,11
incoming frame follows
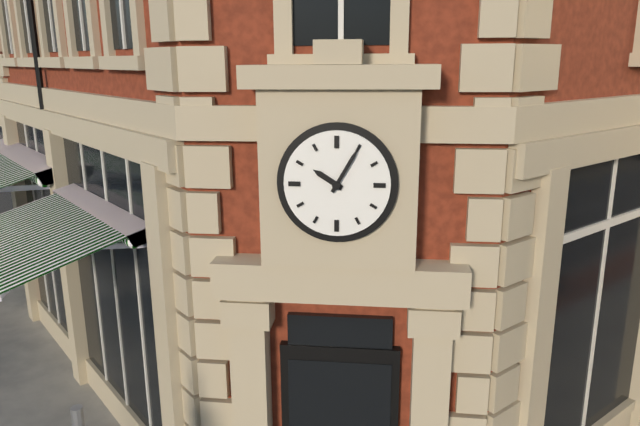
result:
10,05
